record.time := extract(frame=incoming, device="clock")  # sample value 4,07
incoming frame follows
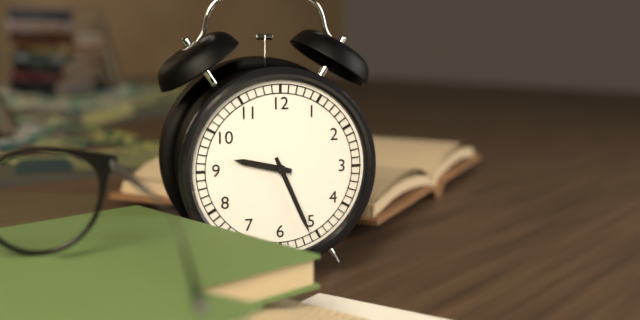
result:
9,26
